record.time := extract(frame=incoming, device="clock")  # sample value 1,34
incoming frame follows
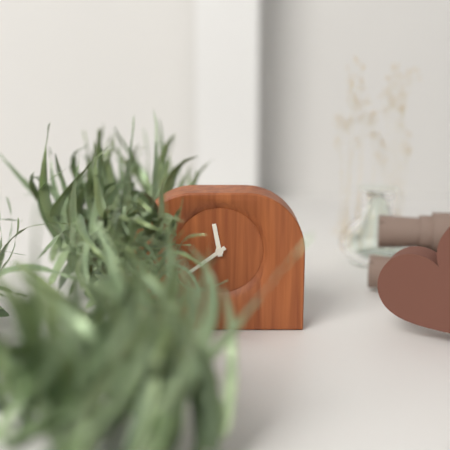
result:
11,39
